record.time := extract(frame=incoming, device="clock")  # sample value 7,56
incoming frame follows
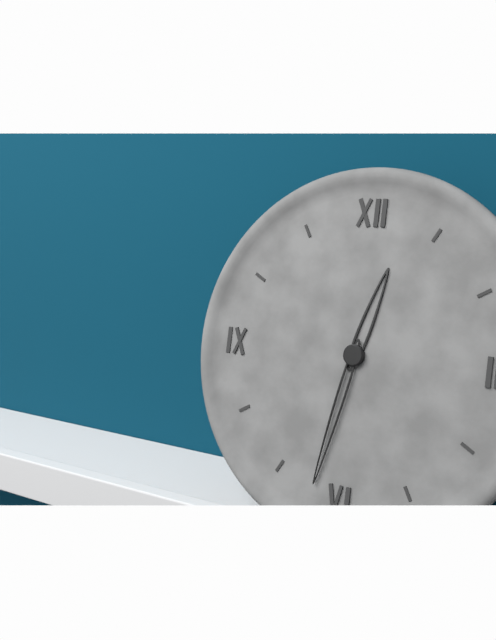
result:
12,32
